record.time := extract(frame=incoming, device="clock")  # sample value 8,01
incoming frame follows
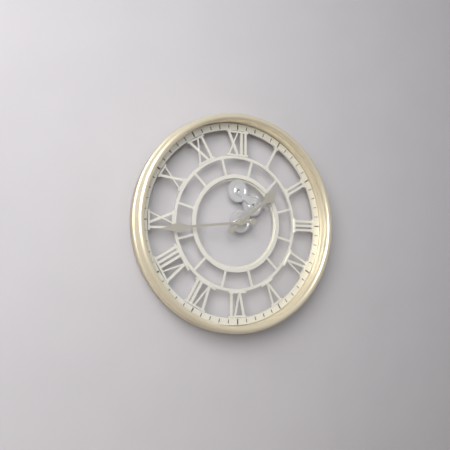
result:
1,44
